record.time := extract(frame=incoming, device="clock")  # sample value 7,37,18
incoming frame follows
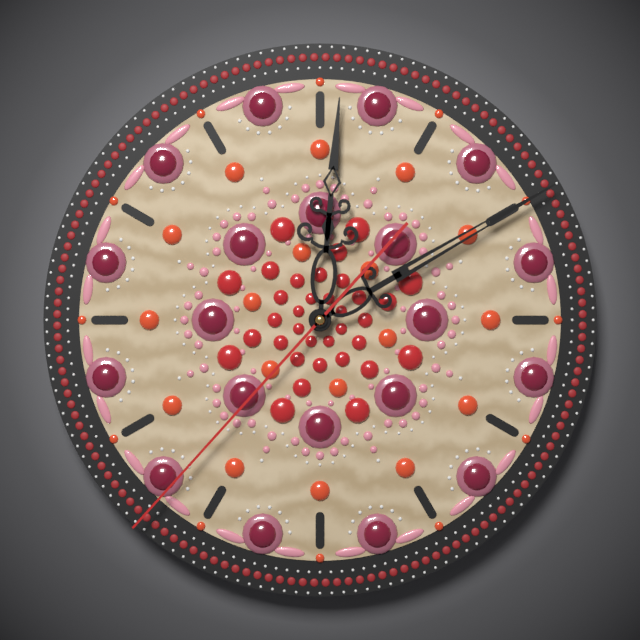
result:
12,10,37
